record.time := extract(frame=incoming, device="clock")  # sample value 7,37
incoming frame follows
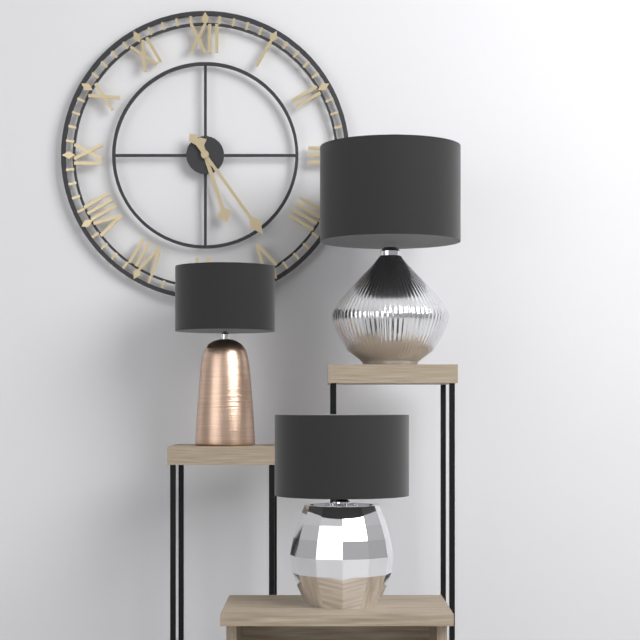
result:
5,24
